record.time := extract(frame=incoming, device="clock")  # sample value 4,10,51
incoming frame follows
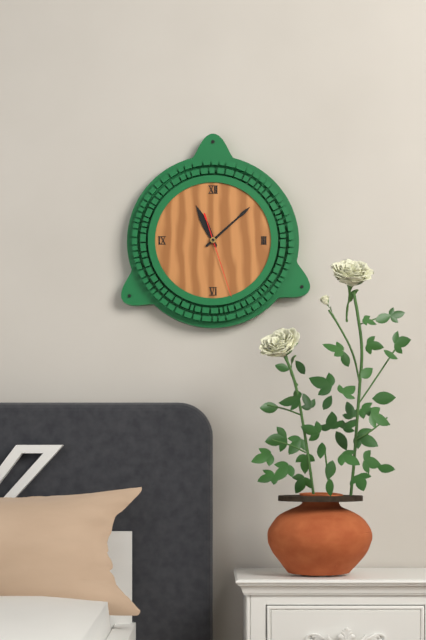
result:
11,08,27
